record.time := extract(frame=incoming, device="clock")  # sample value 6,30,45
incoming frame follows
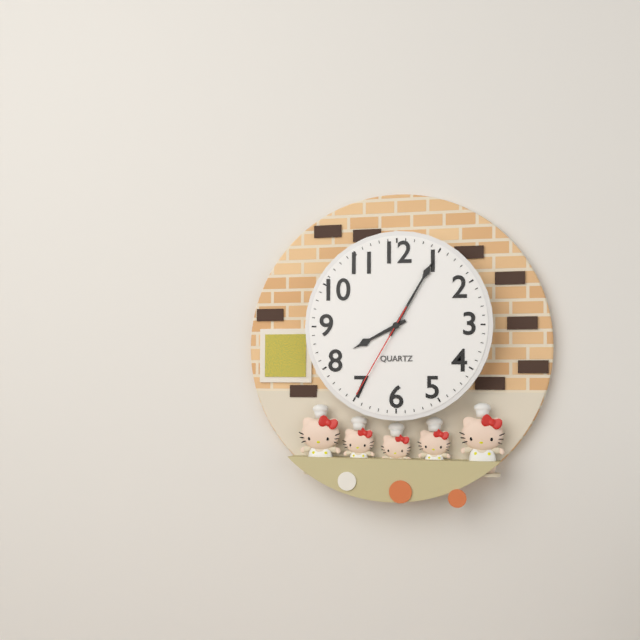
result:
8,05,35
